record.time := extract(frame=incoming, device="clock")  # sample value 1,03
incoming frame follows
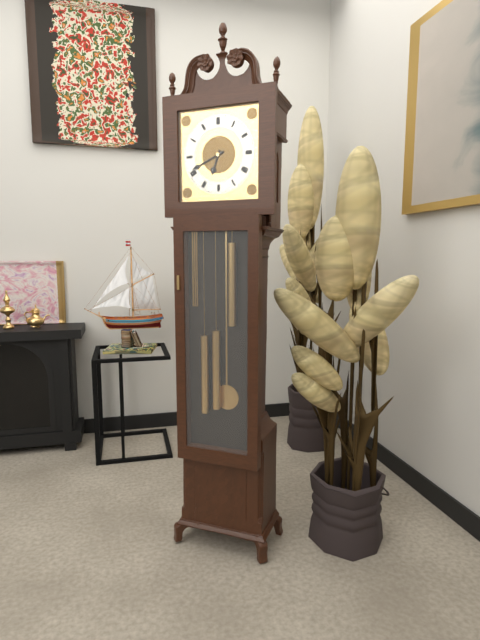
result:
6,41
